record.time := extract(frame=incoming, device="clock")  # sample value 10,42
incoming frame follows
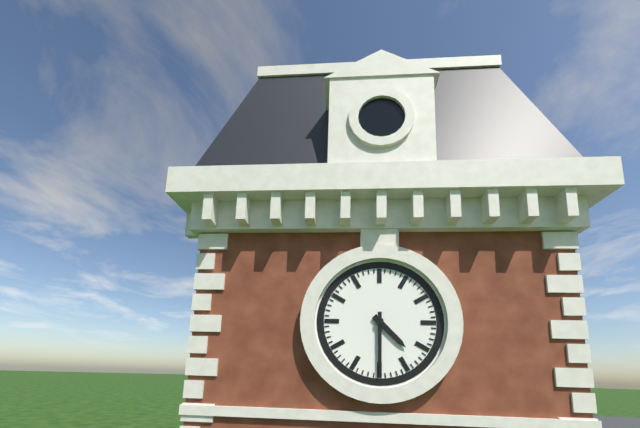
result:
4,30
